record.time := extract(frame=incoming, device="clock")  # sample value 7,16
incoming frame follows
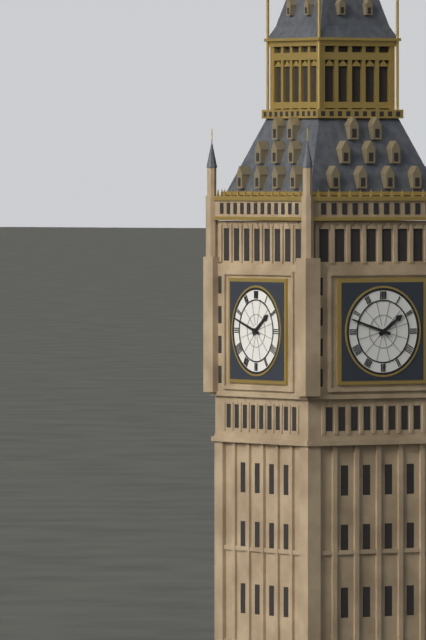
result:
1,48
